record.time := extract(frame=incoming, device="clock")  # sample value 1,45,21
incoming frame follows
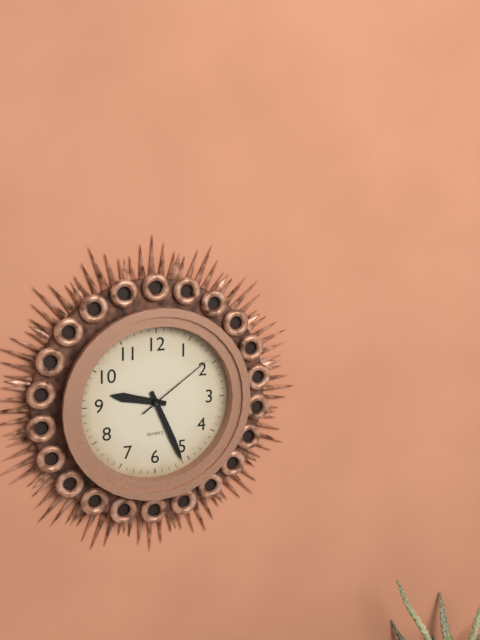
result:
9,26,09
